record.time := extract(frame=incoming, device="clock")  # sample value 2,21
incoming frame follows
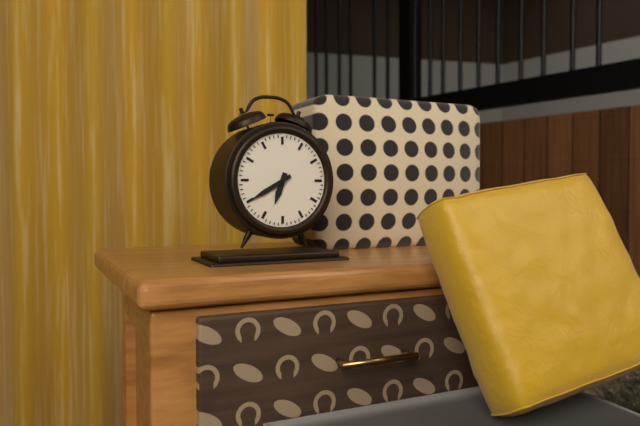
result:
6,40
